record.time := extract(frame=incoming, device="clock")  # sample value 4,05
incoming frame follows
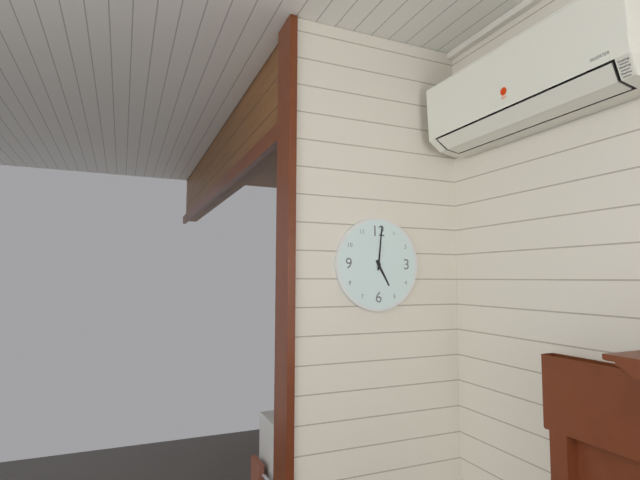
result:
5,01
